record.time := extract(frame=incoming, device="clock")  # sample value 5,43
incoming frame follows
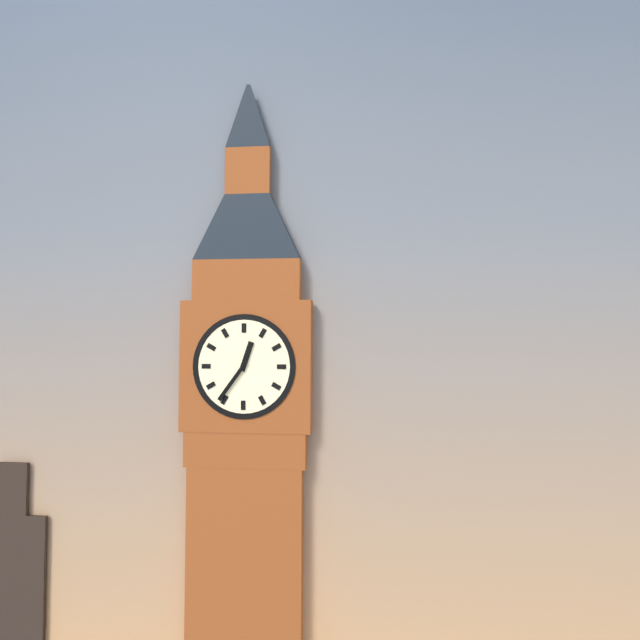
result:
12,36
